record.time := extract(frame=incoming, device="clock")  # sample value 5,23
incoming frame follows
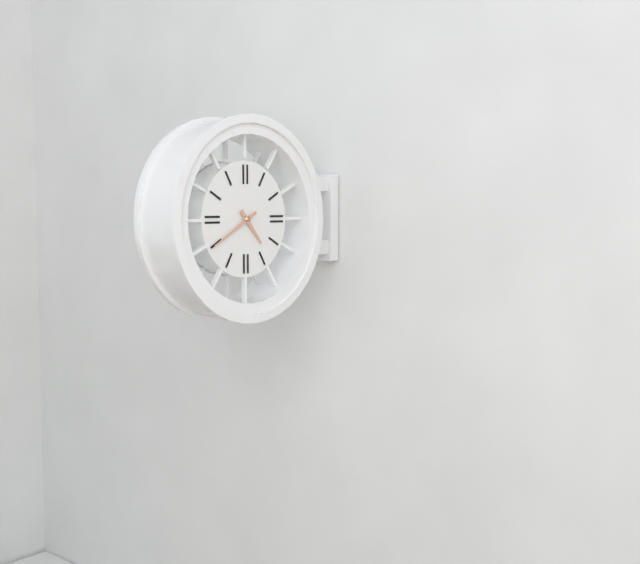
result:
4,40
